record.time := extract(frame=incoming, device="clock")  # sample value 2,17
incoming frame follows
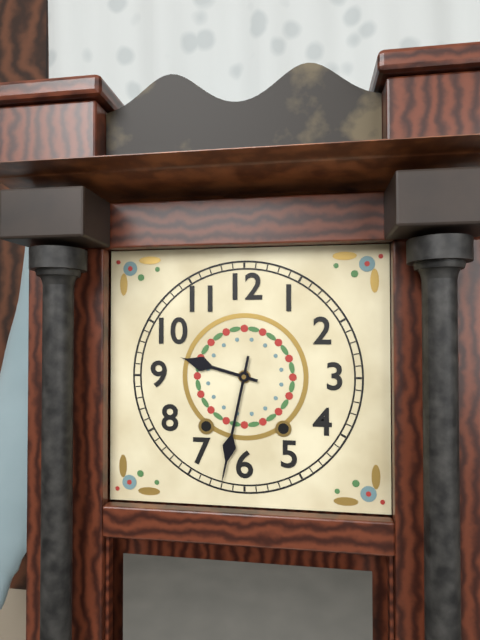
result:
9,32
